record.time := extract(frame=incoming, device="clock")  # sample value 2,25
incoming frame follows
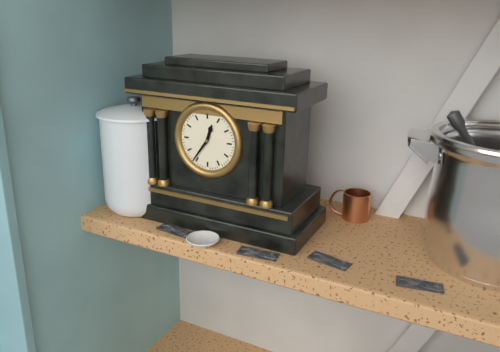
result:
12,36
